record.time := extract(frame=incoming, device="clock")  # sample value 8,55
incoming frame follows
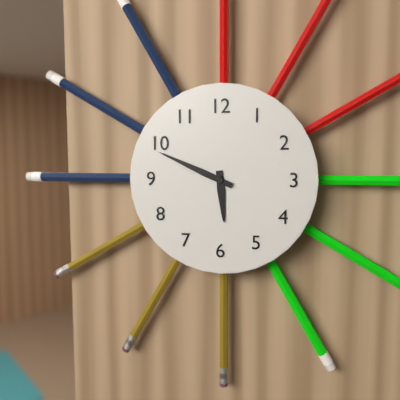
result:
5,49
